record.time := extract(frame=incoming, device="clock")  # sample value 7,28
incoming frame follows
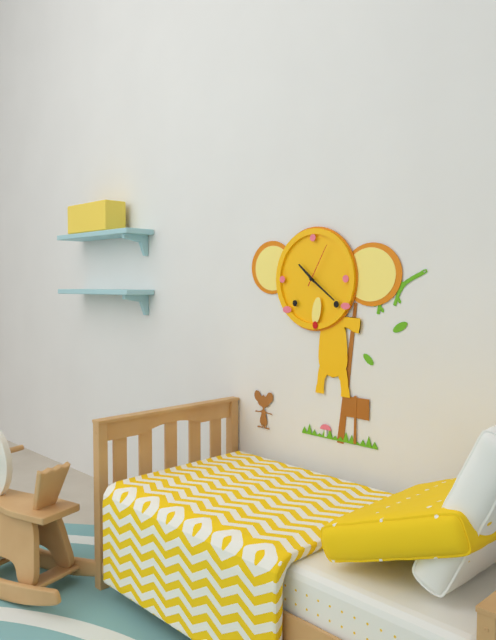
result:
10,21
